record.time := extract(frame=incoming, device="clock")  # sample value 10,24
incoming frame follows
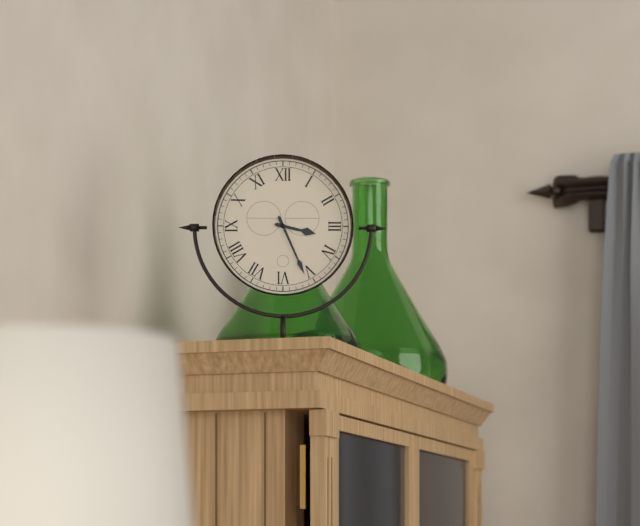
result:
3,26
